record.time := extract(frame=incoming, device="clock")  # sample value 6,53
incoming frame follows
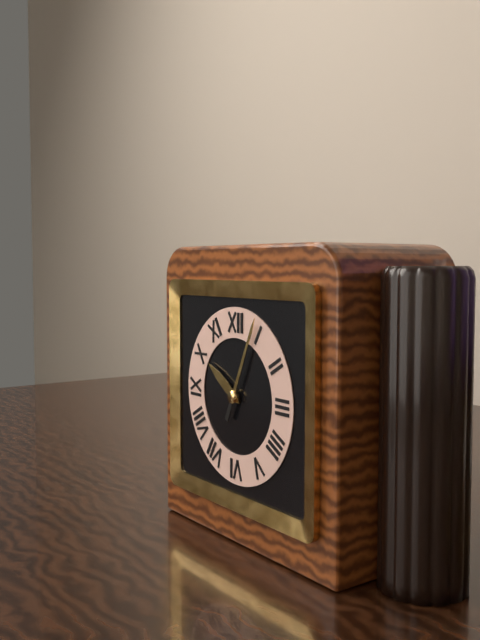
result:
10,04
